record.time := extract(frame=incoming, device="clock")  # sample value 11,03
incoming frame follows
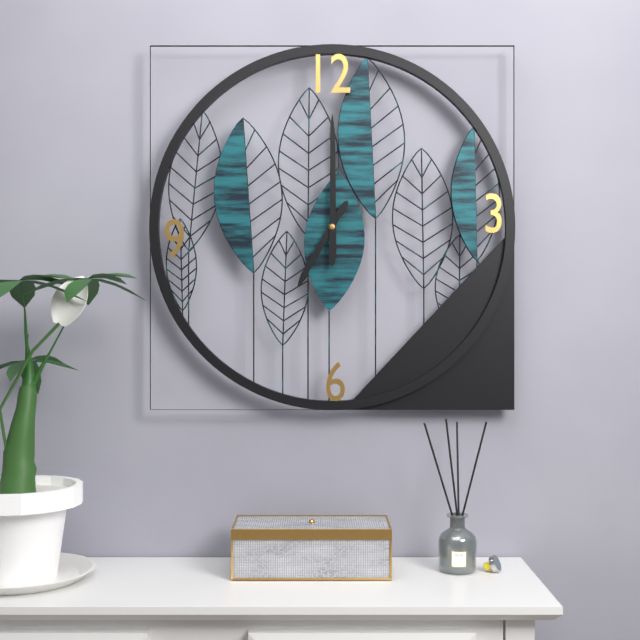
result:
7,00
